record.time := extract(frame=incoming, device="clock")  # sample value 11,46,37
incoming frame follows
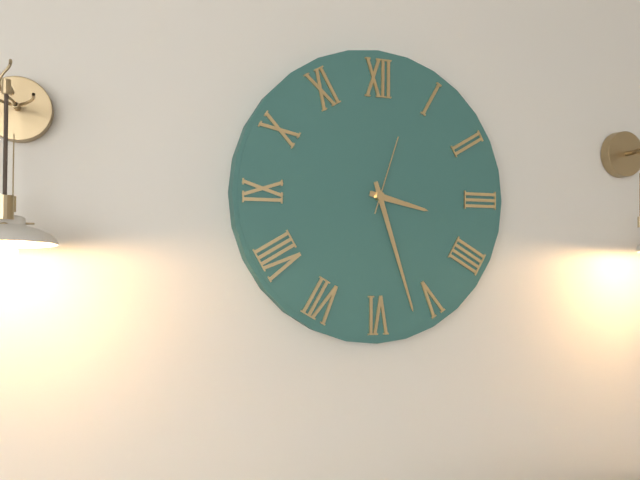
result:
3,27,03
